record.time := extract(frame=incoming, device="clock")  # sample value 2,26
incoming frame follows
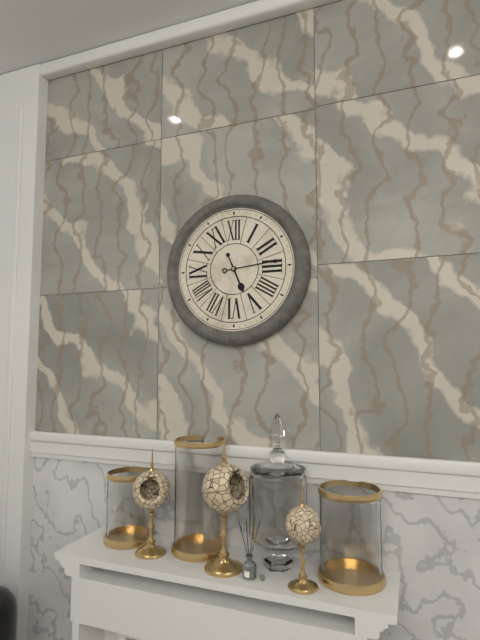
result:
5,14
